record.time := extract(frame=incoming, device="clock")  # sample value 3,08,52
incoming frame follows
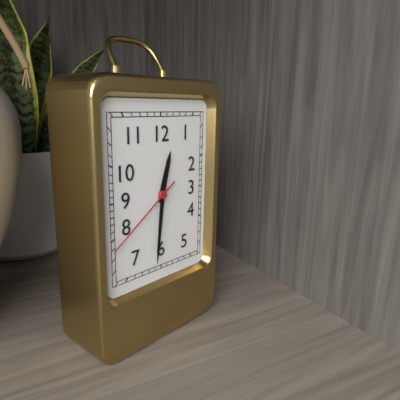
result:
12,31,39
